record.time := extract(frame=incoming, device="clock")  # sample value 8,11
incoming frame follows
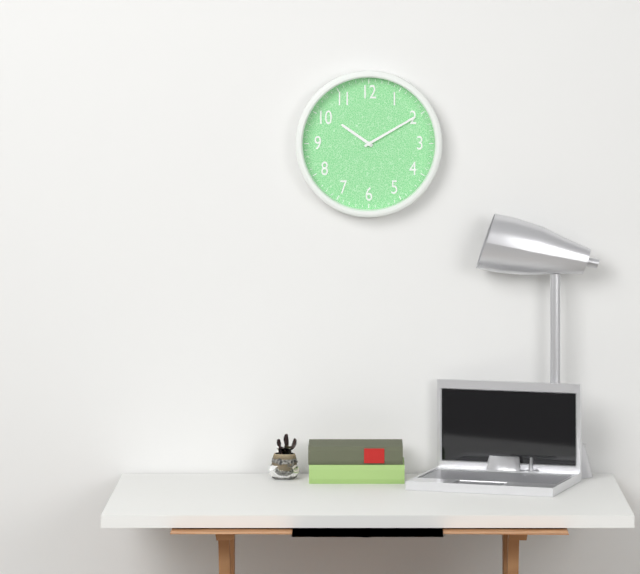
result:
10,10
